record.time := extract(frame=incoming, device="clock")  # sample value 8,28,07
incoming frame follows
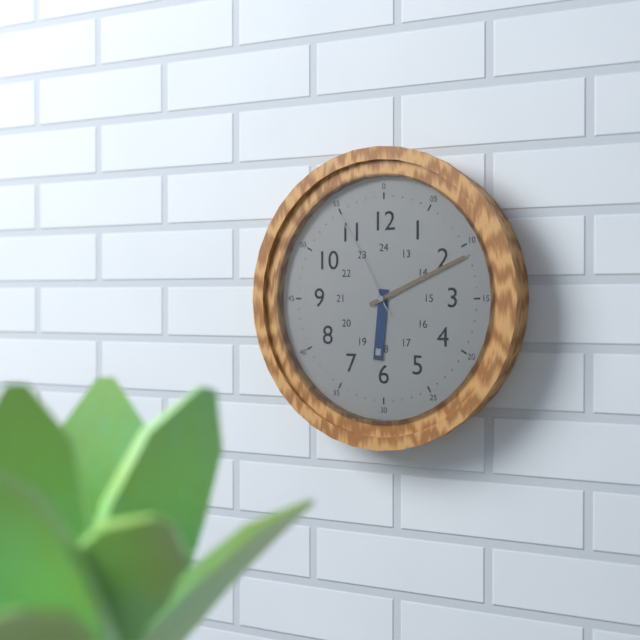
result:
6,11,55
